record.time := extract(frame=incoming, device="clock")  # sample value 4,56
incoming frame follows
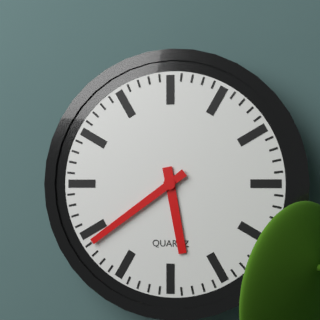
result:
5,39
